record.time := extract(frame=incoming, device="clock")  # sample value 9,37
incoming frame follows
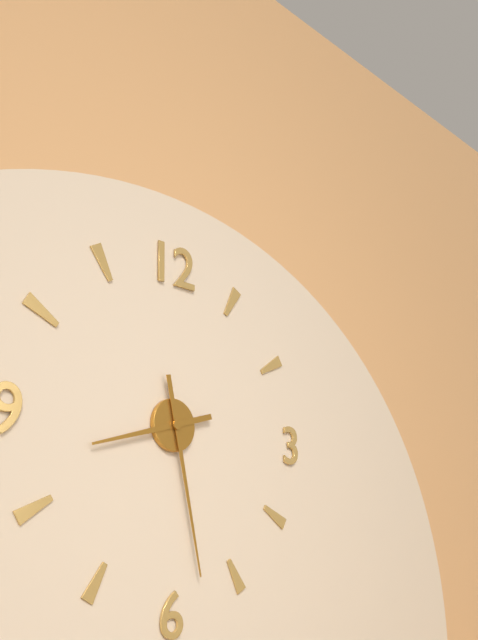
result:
8,28
